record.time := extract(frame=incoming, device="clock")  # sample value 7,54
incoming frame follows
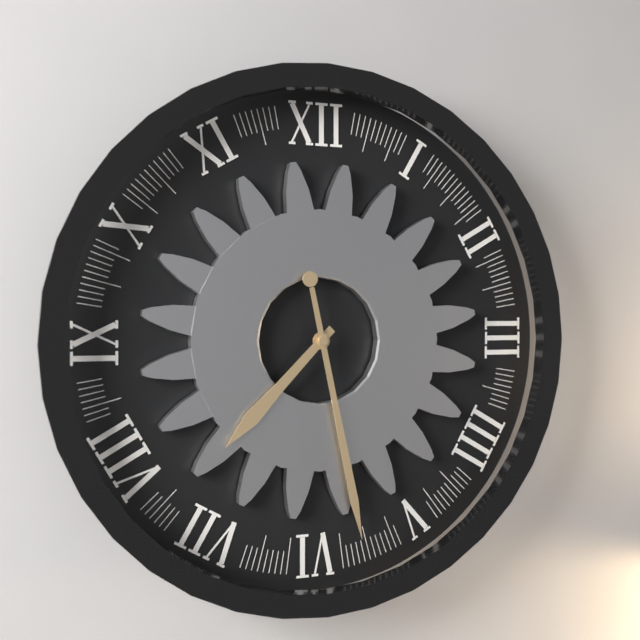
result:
7,28
